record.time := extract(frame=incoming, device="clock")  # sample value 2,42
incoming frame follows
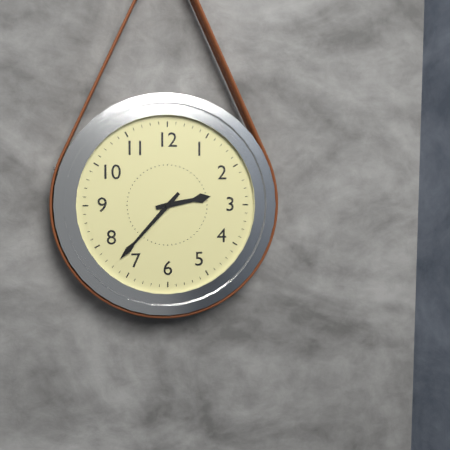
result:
2,37
